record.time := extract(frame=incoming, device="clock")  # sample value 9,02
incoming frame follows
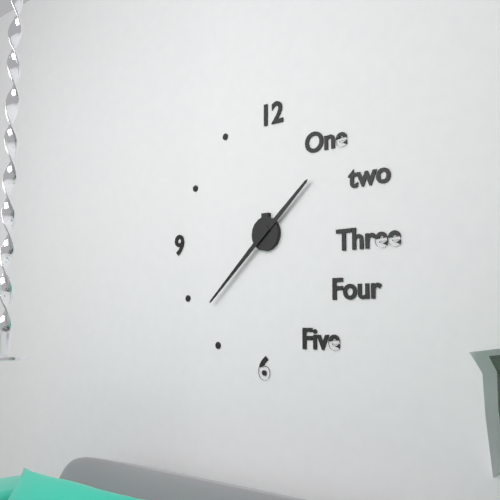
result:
1,38
